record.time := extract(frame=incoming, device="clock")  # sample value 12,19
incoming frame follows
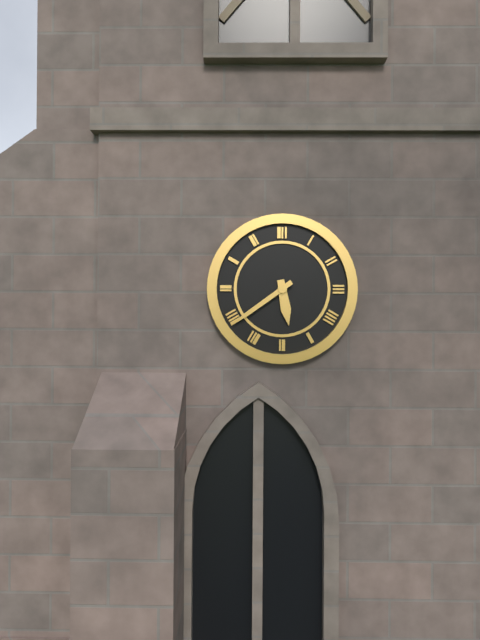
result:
5,39
